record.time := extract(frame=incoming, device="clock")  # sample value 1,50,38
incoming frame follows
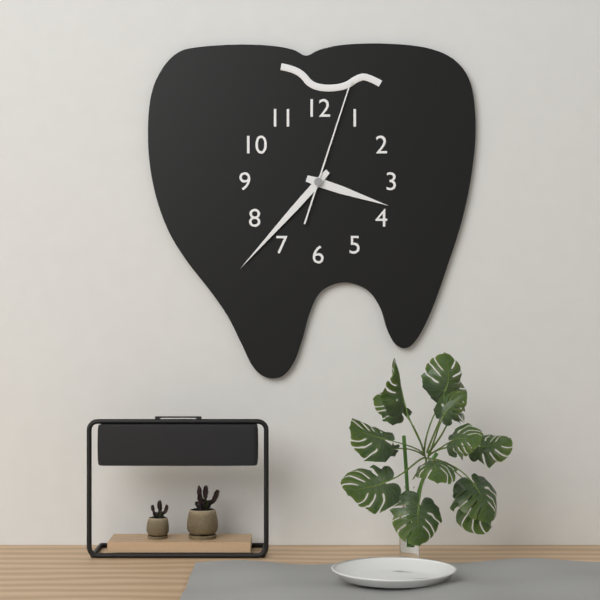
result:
3,37,03
